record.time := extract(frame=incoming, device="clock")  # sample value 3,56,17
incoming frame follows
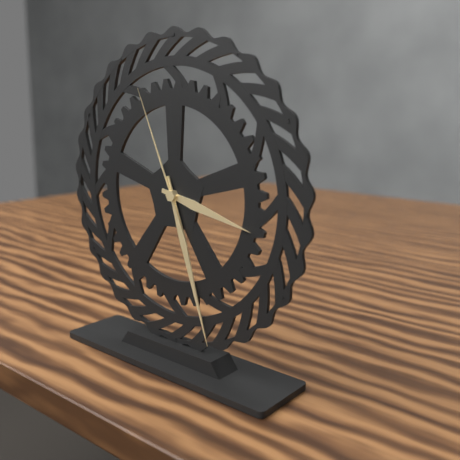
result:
3,27,56
